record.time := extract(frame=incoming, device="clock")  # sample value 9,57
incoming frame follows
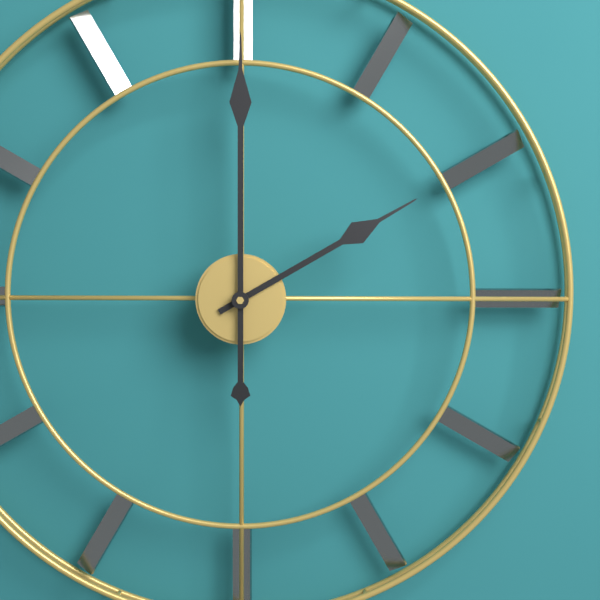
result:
2,00
